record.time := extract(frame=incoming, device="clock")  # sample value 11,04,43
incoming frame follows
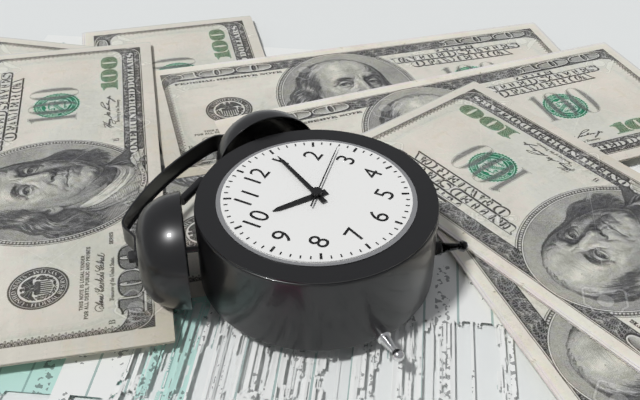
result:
10,05,13
